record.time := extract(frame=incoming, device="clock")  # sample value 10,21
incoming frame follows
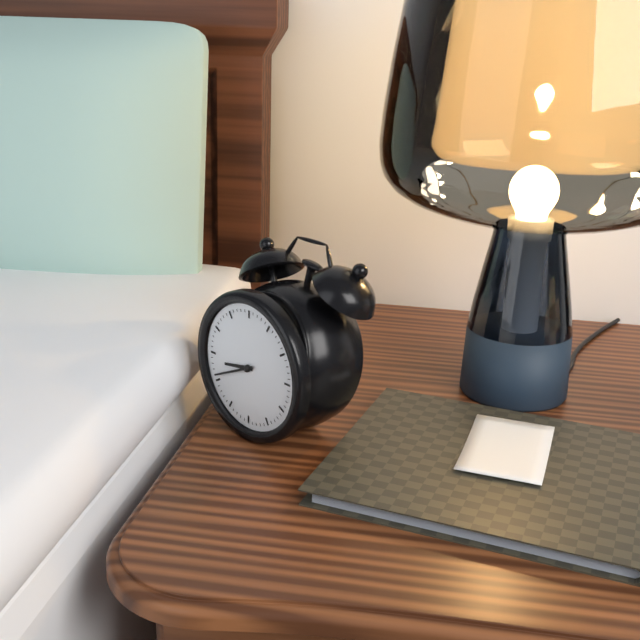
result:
8,41
